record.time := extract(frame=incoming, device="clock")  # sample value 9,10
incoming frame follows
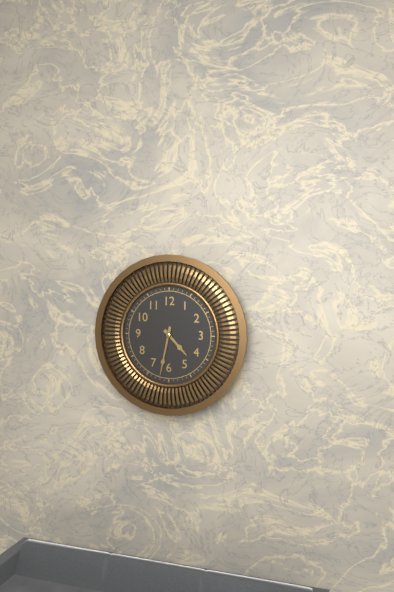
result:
4,32
